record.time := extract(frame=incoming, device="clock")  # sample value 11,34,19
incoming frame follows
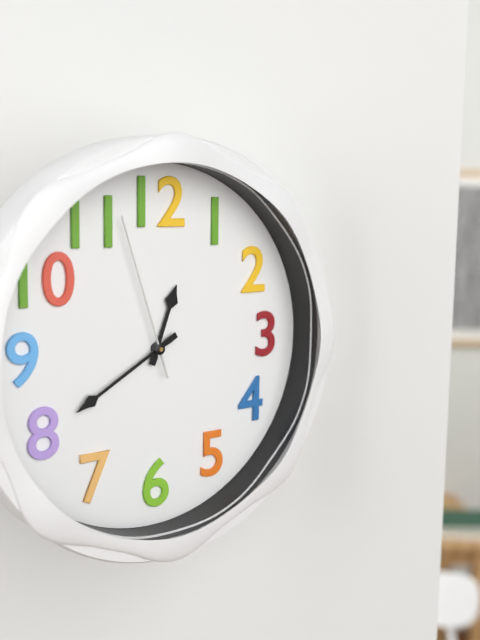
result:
12,40,57
